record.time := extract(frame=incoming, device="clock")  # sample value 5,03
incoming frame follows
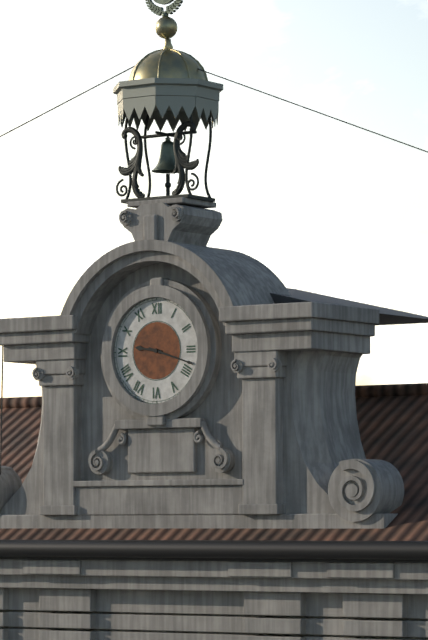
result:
9,18
